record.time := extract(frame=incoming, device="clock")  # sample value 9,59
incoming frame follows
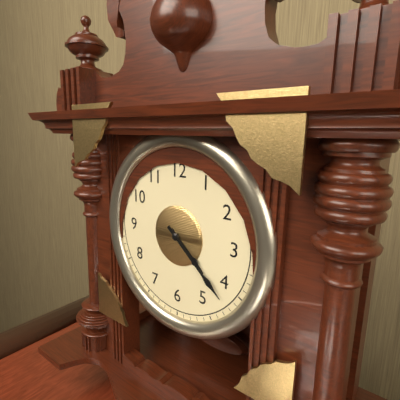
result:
4,22
